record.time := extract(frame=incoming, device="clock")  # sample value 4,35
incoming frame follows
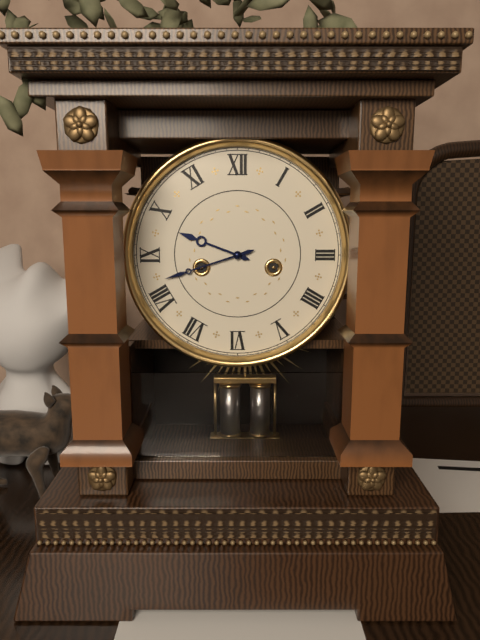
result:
9,42
